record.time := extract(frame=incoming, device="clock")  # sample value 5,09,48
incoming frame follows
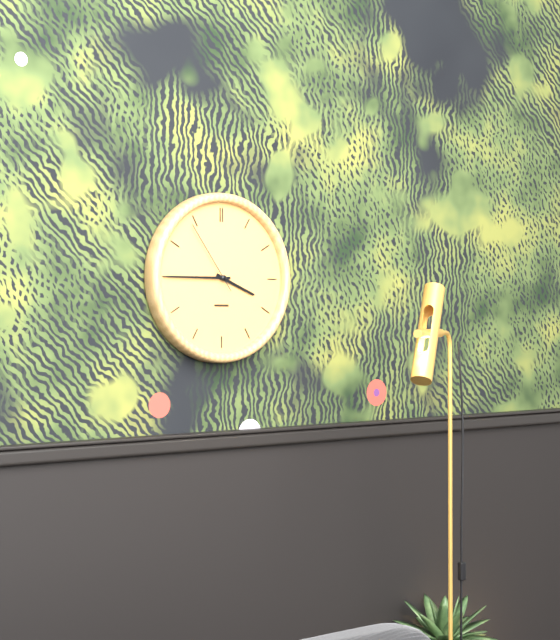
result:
3,45,54
